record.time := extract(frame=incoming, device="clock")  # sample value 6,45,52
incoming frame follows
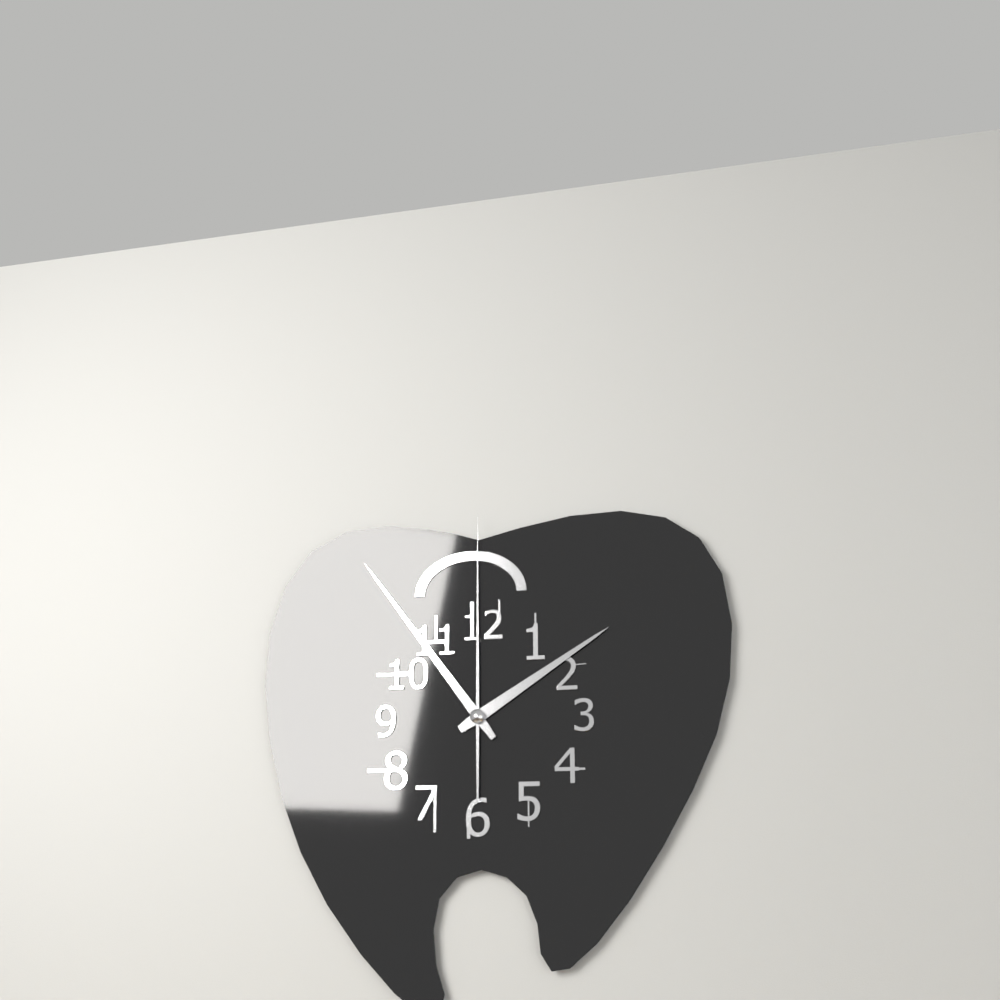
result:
1,54,00
